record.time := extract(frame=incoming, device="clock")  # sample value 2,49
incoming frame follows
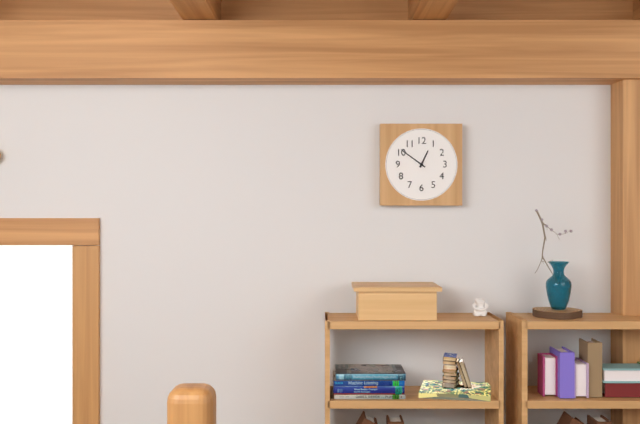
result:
12,51
